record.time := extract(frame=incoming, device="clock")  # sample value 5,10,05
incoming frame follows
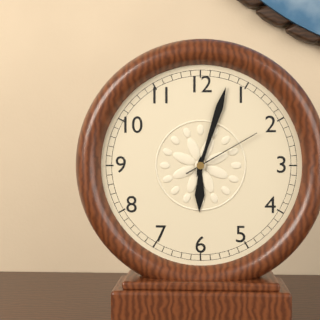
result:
6,03,10
